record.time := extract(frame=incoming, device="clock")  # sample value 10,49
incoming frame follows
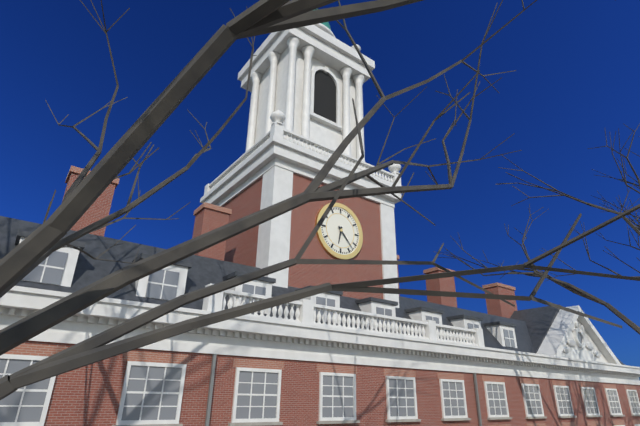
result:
6,23
